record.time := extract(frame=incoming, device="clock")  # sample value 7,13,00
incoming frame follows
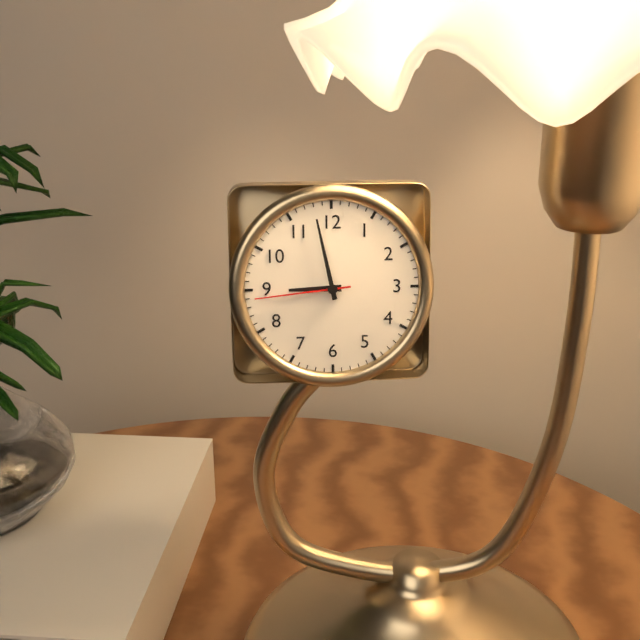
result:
8,58,44
